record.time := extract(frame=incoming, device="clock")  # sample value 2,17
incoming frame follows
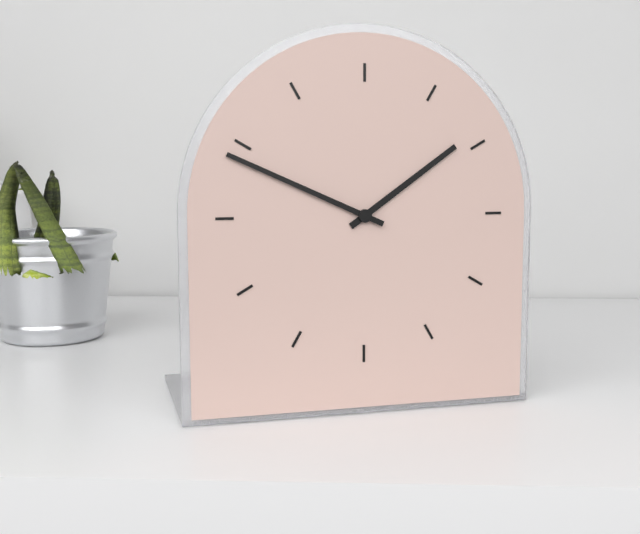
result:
1,49
